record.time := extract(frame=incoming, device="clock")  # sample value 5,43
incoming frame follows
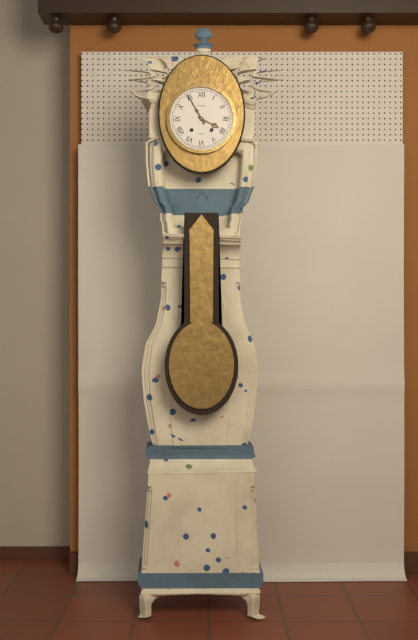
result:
3,55
